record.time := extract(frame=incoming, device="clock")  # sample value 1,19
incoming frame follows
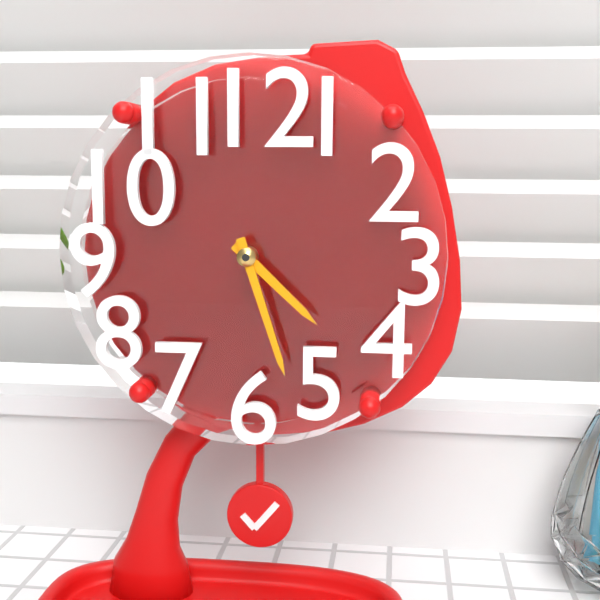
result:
4,27
